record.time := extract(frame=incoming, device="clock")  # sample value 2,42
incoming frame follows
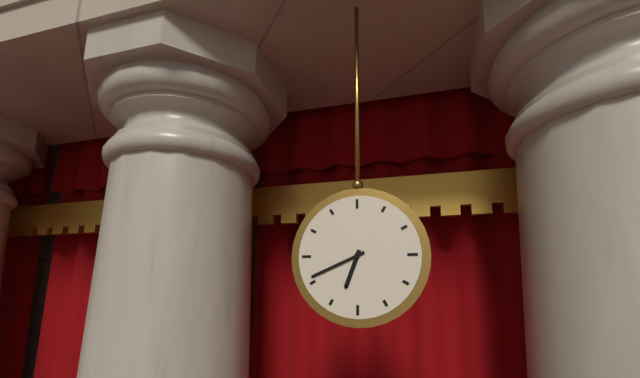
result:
6,41
